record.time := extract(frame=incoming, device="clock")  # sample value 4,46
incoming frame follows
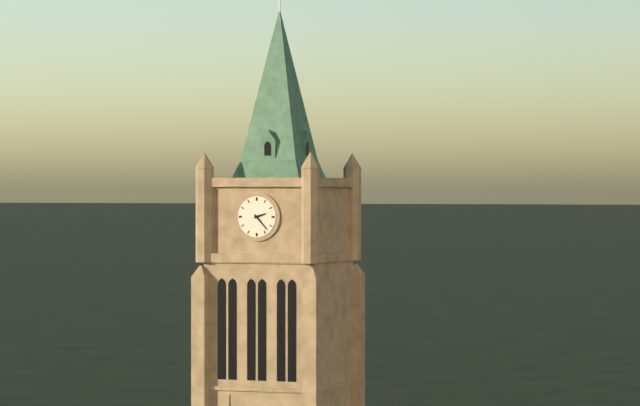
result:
2,23
